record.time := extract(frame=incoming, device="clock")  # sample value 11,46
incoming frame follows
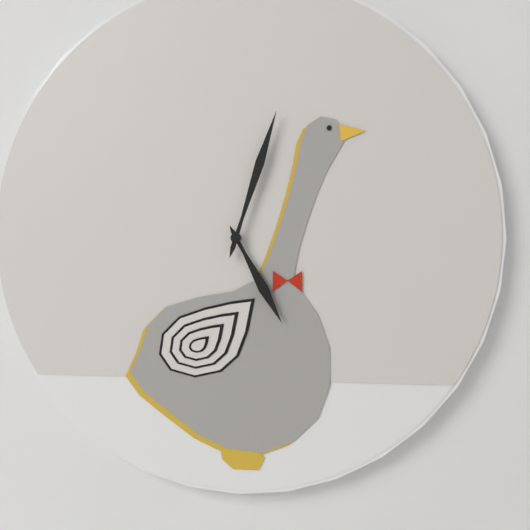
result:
5,03
